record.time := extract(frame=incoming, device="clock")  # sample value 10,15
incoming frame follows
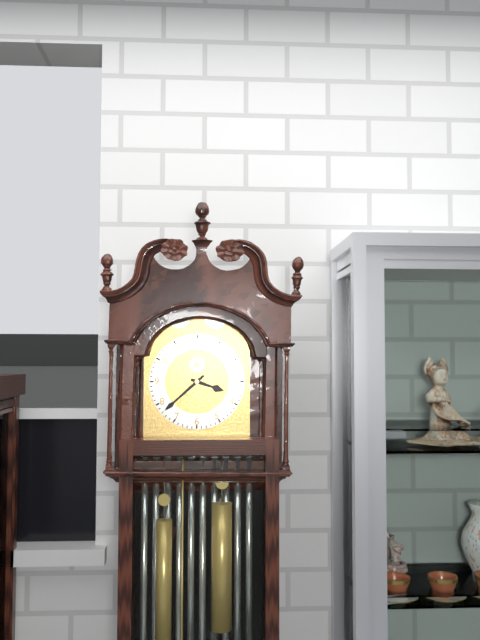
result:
3,38
